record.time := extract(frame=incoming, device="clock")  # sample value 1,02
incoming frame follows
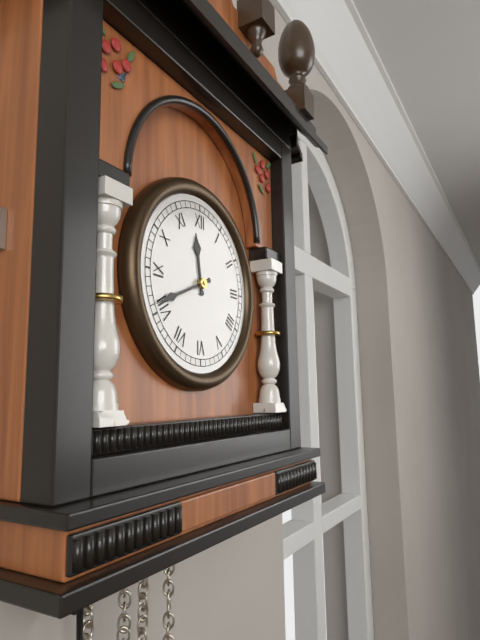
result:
11,41
